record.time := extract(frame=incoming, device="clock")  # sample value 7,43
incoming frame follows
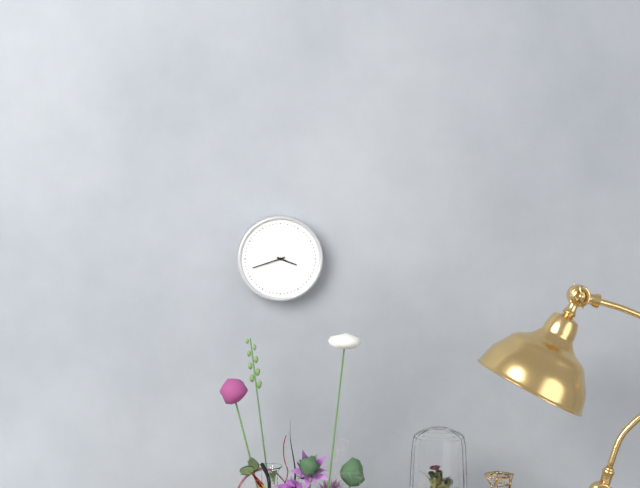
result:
3,42
